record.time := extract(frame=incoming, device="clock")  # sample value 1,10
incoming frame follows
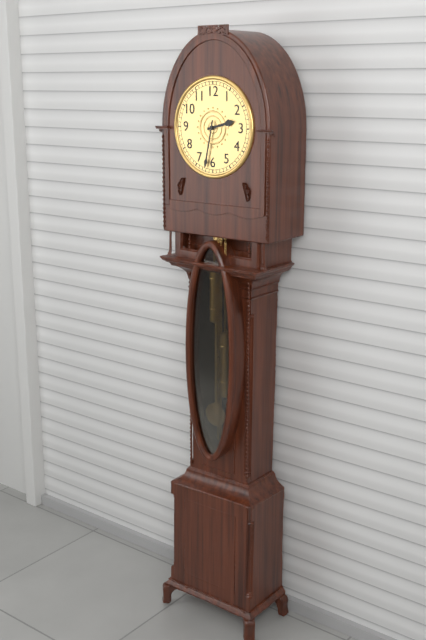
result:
2,32
